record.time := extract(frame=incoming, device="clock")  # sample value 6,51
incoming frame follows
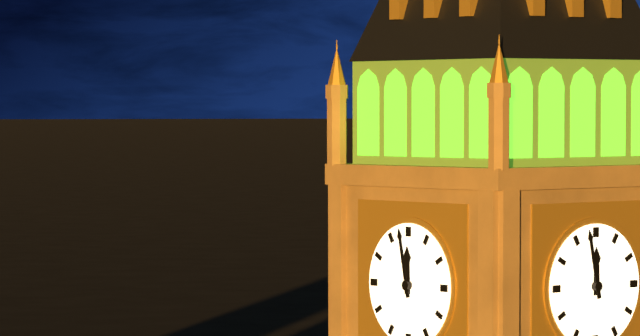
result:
11,58
